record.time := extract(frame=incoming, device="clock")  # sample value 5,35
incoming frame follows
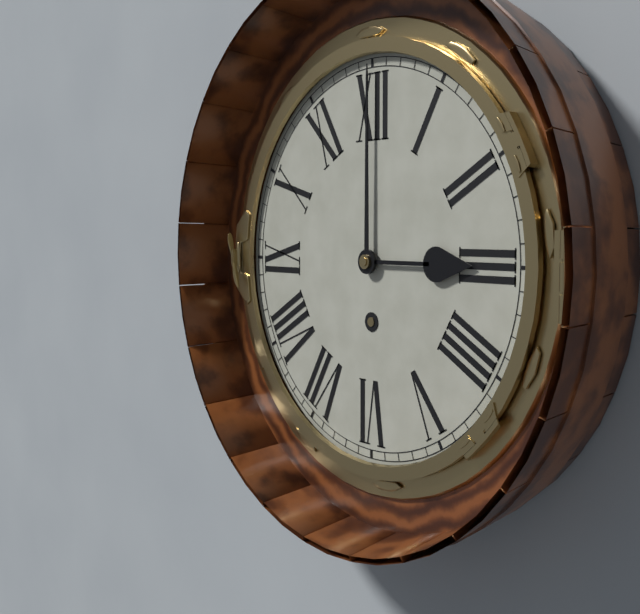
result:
3,00
